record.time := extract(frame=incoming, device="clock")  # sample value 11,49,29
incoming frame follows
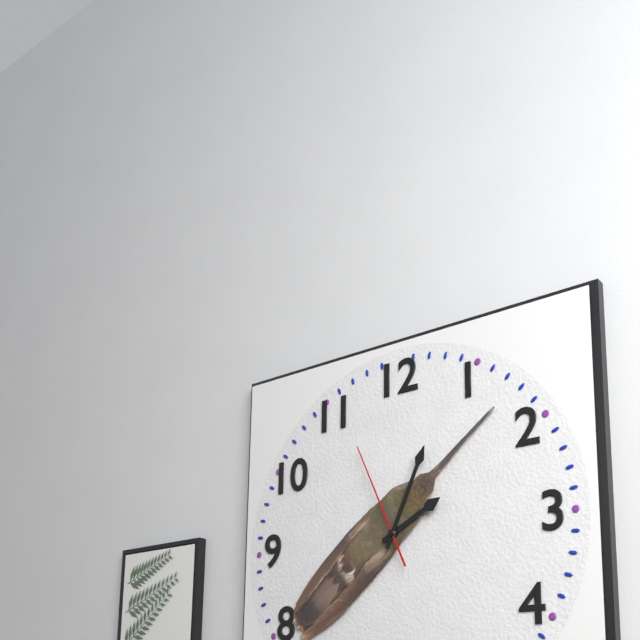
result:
2,04,56
